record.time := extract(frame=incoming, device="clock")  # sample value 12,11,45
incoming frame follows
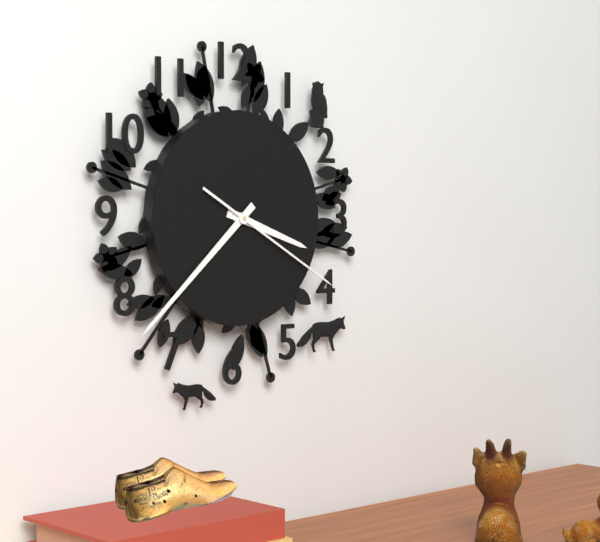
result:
3,38,20
